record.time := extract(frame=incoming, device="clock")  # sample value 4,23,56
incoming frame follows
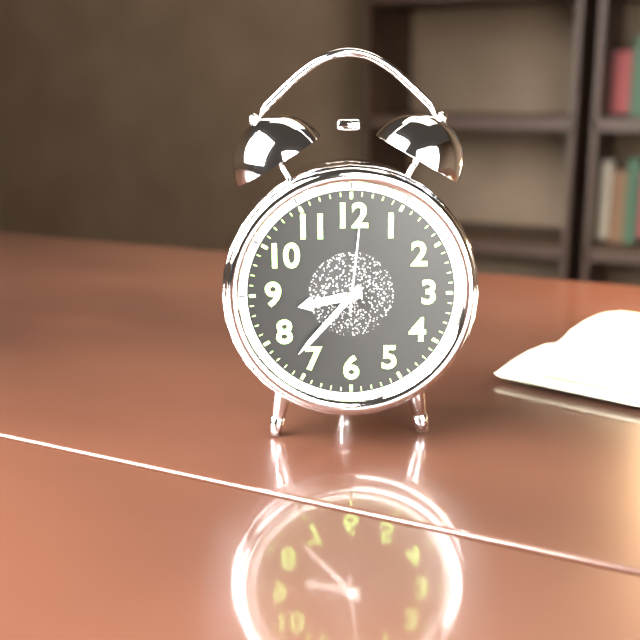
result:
8,37,01
